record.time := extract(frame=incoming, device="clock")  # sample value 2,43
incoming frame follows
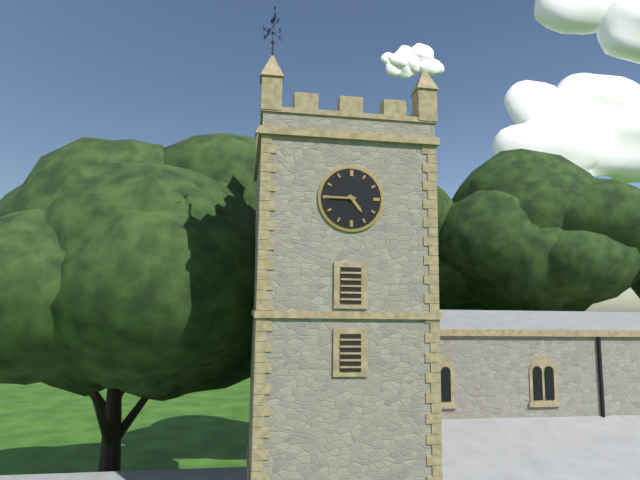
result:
4,45
